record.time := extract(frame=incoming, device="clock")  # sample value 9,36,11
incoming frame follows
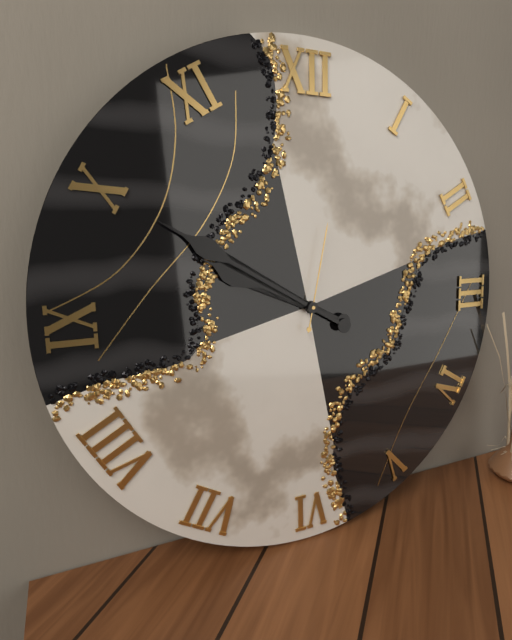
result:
9,50,02
